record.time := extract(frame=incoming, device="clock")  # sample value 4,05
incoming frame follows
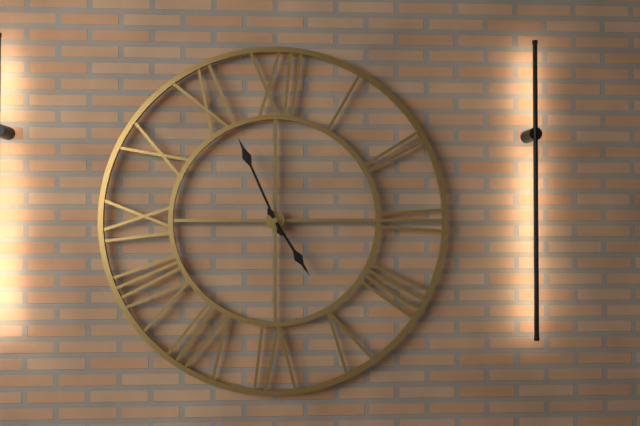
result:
4,56
